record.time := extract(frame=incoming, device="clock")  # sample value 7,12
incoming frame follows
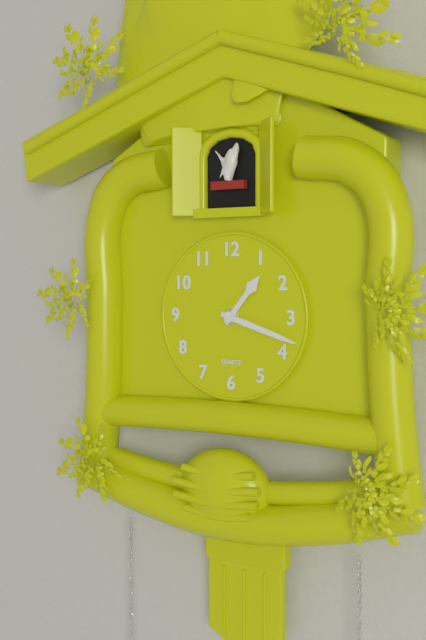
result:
1,18
